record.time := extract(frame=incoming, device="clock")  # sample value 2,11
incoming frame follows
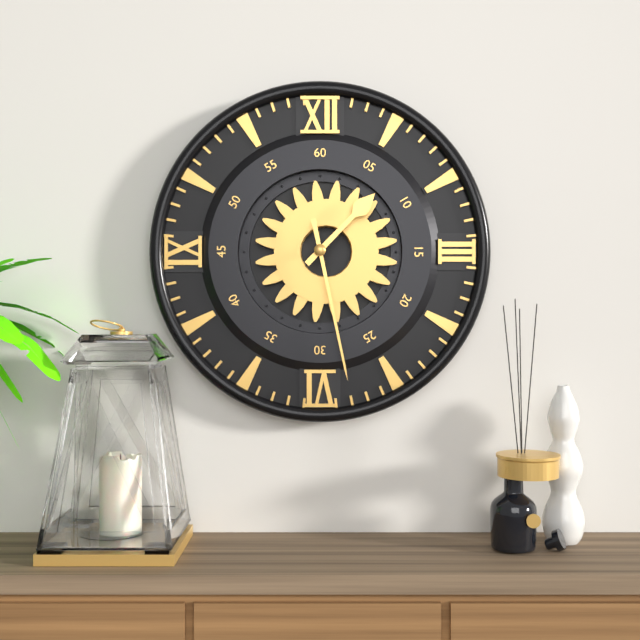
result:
1,28
